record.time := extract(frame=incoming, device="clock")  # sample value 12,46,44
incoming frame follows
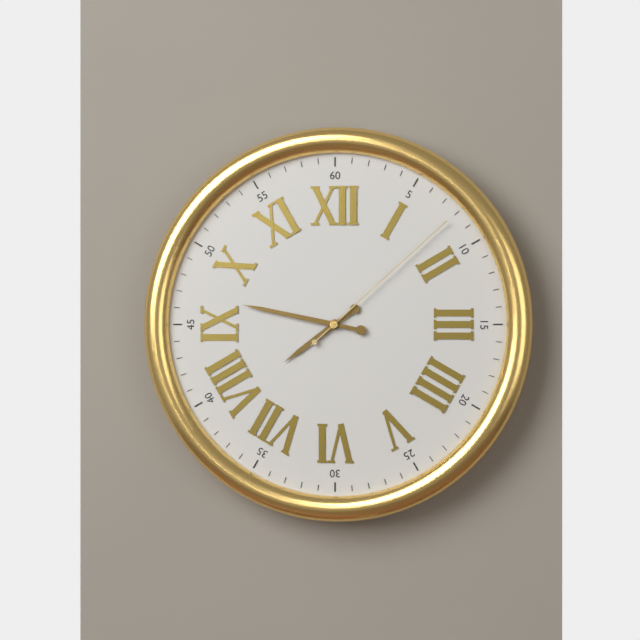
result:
7,47,08
